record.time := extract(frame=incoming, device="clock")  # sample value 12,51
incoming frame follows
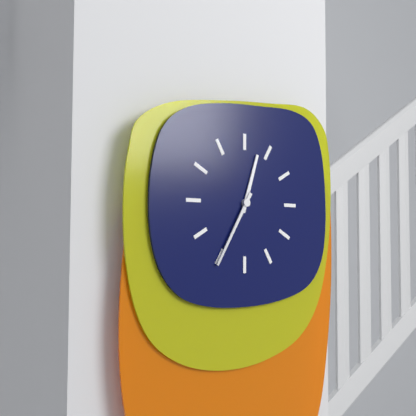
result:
12,35
